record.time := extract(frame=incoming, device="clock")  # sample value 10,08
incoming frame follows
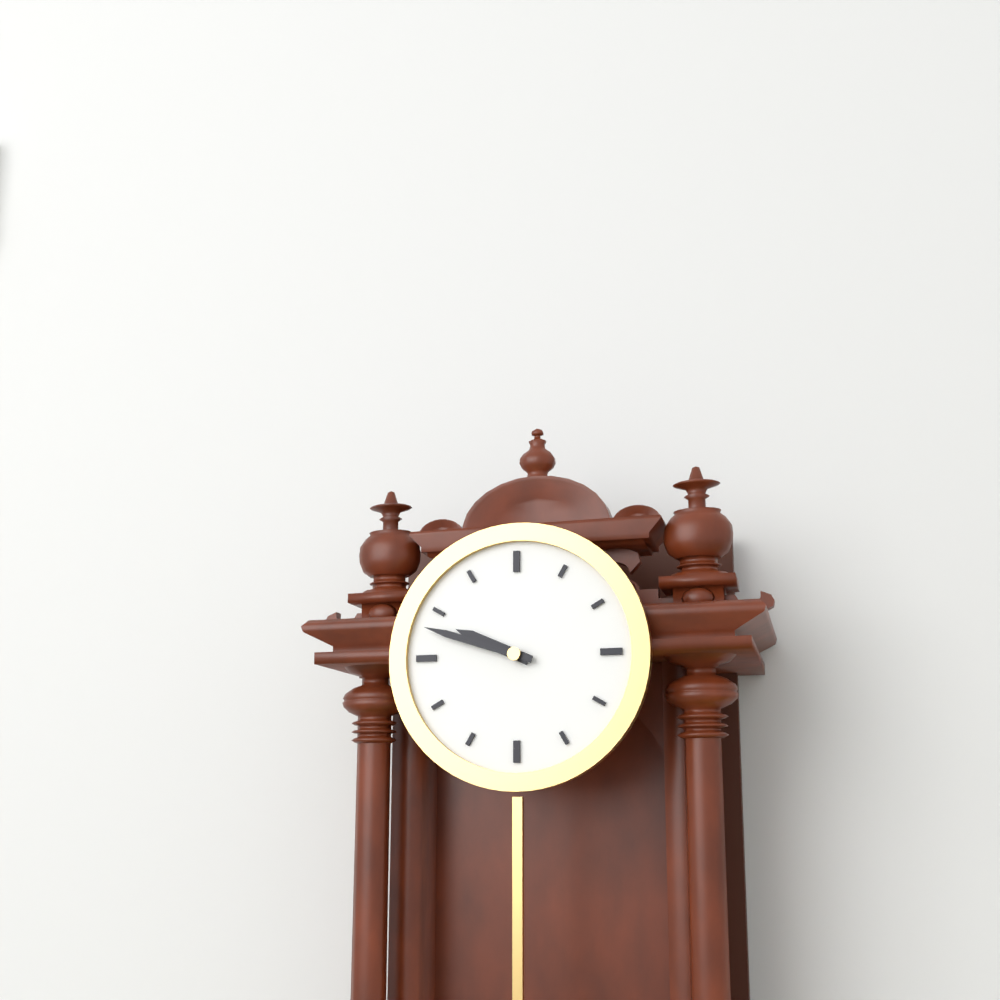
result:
9,48
